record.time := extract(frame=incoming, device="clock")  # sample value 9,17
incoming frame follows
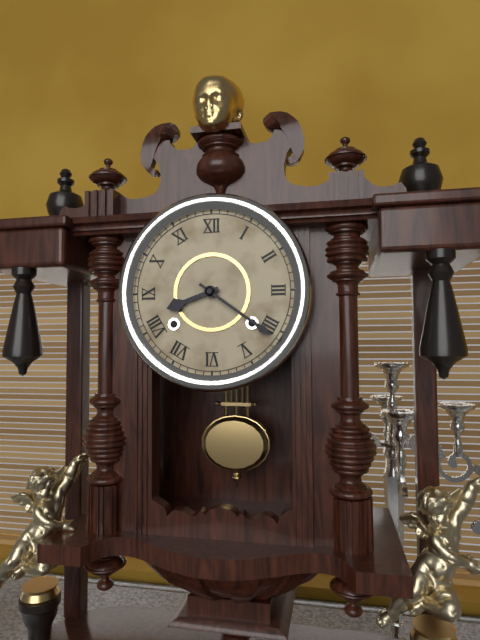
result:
8,21
